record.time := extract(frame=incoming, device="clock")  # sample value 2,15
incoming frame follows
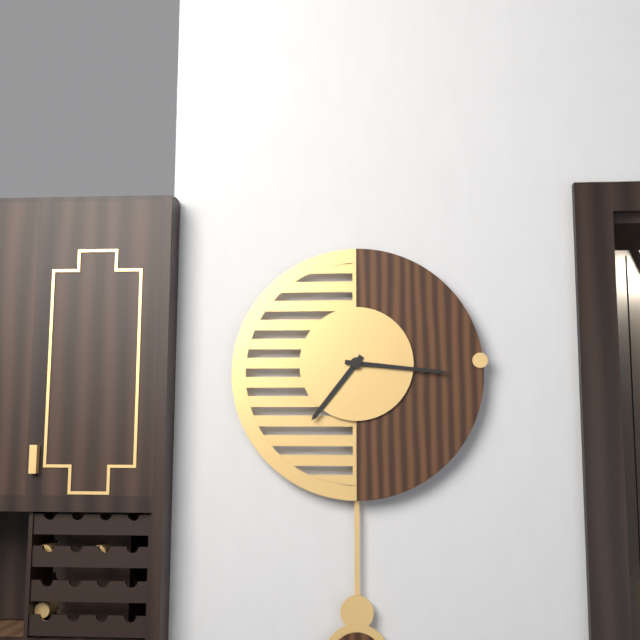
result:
7,16
